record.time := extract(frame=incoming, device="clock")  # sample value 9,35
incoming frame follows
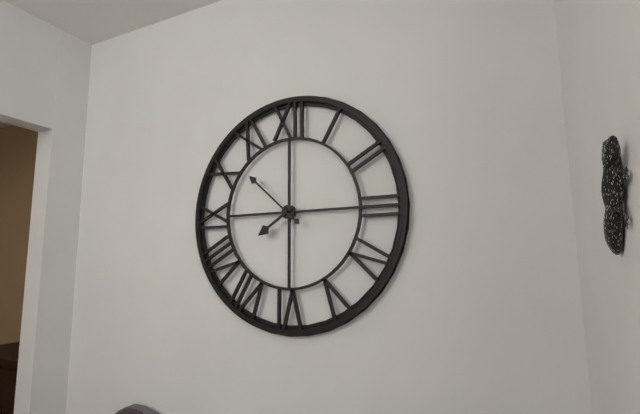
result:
7,52
